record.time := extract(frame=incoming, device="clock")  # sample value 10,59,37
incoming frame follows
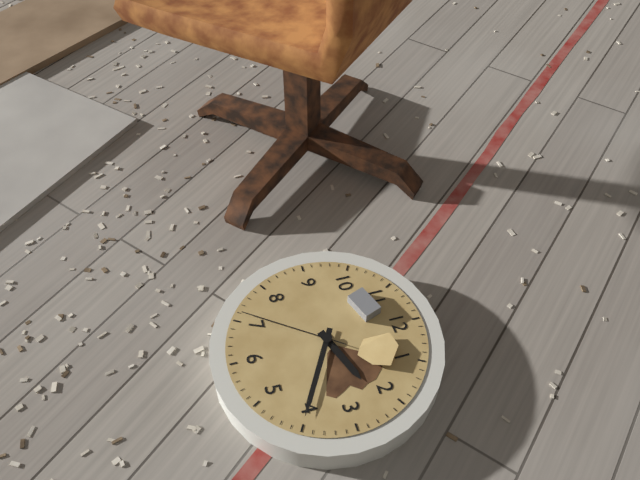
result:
2,20,36
